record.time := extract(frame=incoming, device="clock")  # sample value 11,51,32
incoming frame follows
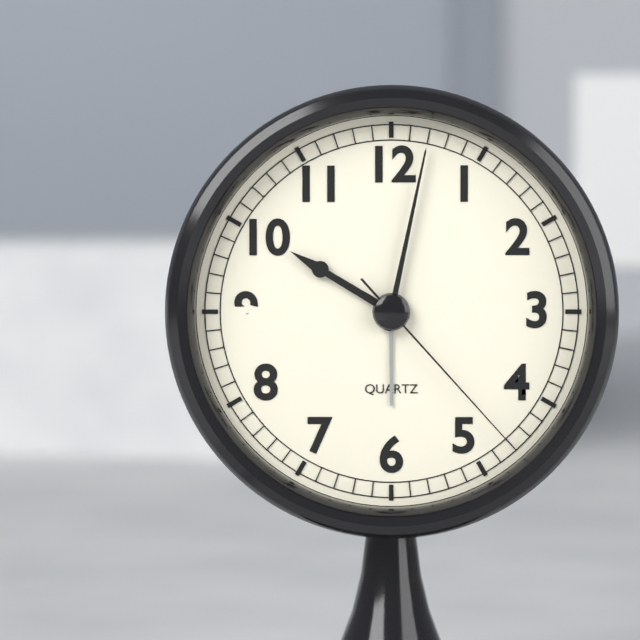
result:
10,02,23
